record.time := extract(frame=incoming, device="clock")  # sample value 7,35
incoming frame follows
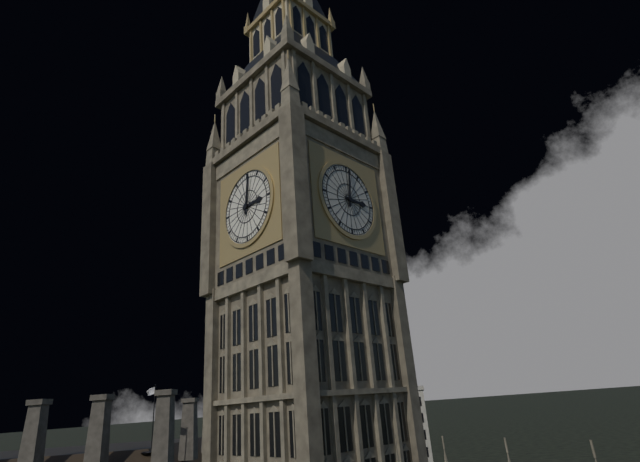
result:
3,01
